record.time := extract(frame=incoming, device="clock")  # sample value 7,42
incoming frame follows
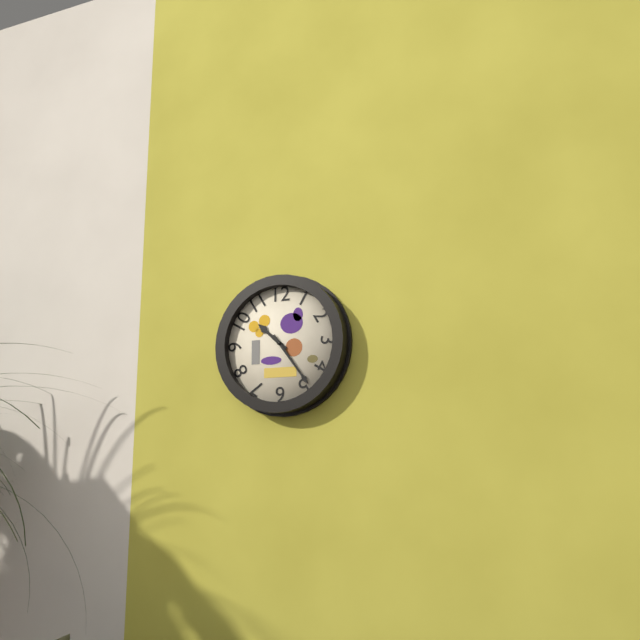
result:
10,24
